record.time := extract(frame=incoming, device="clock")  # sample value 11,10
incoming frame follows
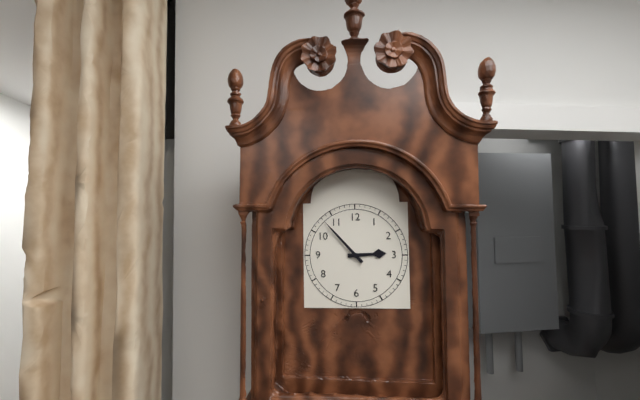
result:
2,53
